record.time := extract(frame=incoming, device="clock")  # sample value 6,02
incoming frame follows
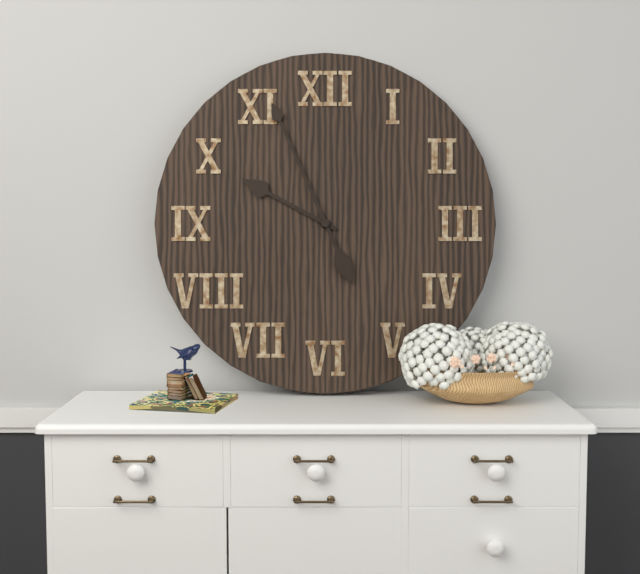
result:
9,56
